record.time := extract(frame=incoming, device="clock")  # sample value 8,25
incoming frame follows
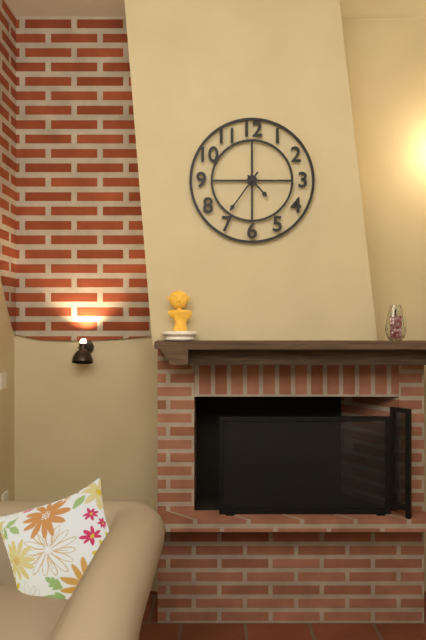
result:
4,36
